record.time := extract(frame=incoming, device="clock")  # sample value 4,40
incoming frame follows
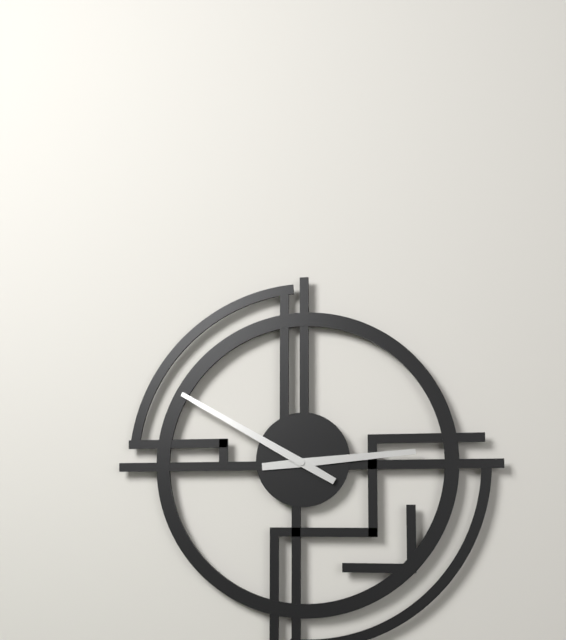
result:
2,50
